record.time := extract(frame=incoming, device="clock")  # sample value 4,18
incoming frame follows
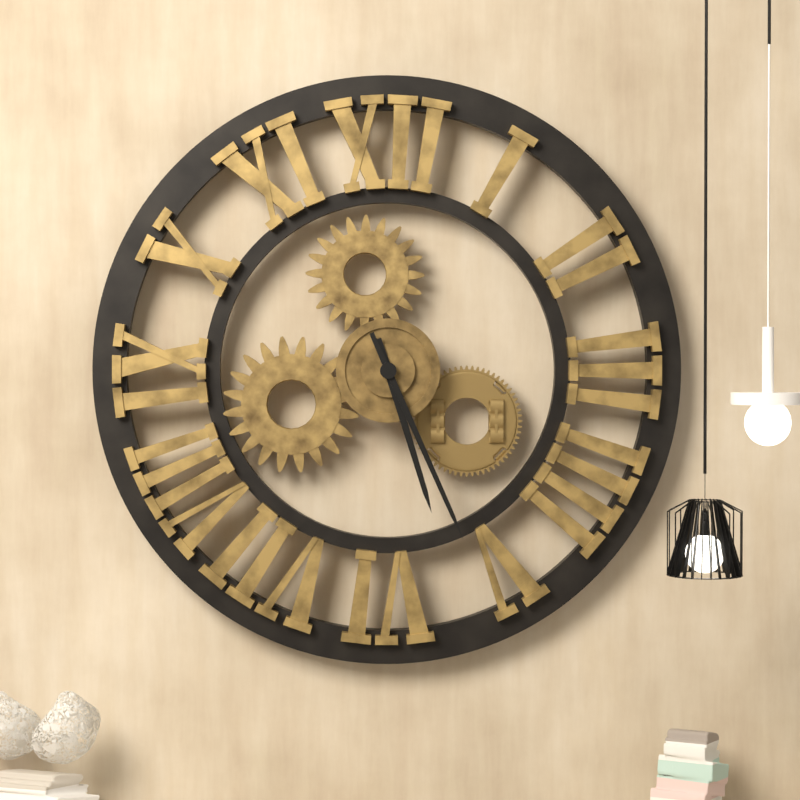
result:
5,26
